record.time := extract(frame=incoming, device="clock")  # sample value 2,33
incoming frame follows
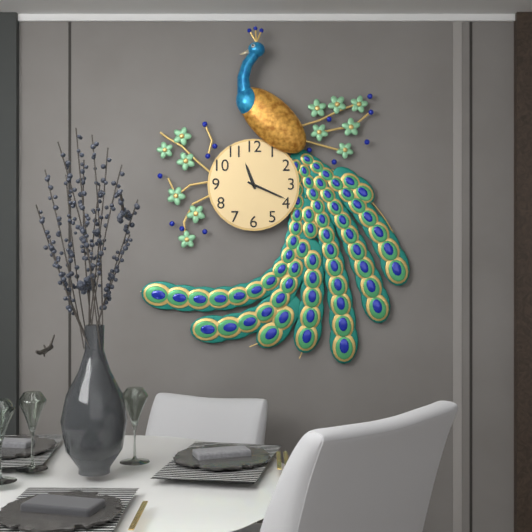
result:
11,19
